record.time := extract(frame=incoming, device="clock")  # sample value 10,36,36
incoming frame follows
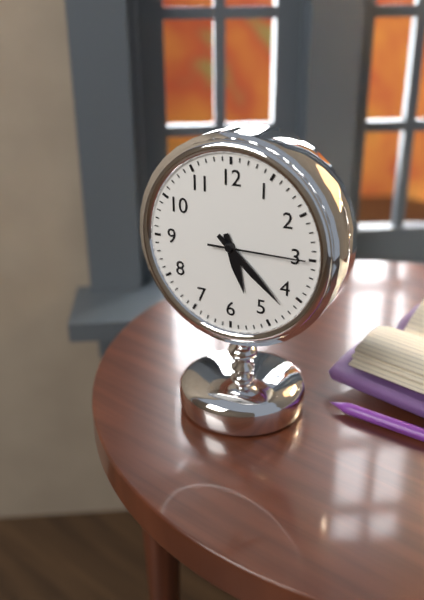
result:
5,22,15
